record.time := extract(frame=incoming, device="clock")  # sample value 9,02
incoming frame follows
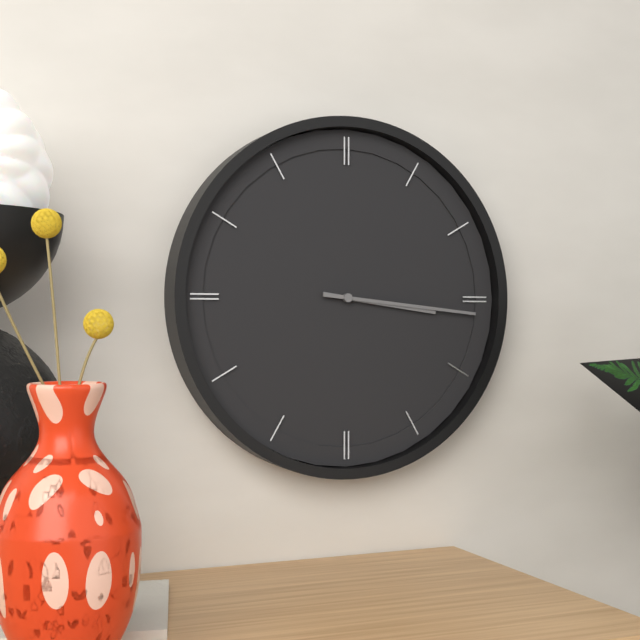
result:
3,16
